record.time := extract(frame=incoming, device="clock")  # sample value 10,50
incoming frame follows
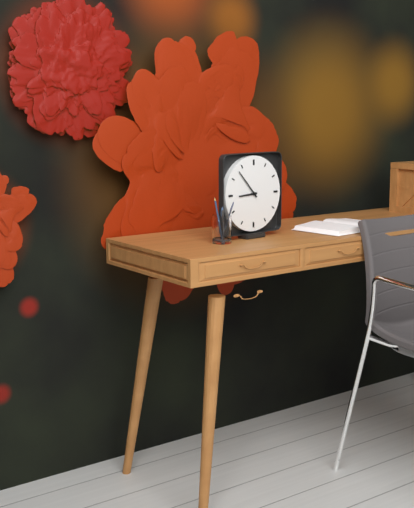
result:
8,53
